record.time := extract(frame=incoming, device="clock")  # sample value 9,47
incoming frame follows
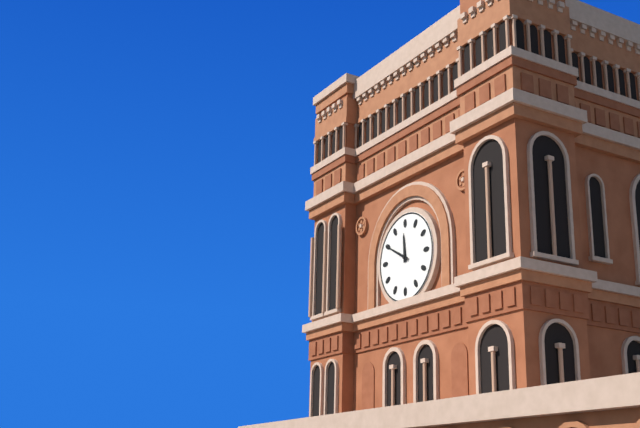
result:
11,50
